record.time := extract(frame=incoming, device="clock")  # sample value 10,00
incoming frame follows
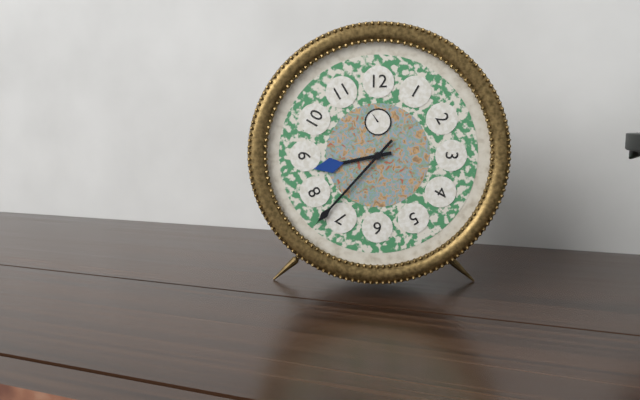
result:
8,37
